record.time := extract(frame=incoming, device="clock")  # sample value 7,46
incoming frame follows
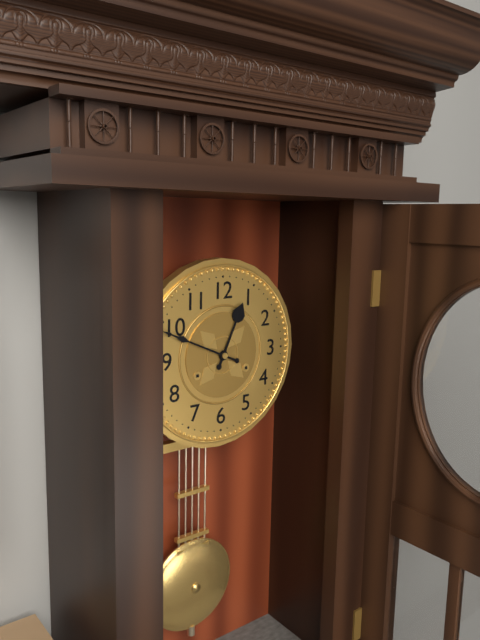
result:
12,49
